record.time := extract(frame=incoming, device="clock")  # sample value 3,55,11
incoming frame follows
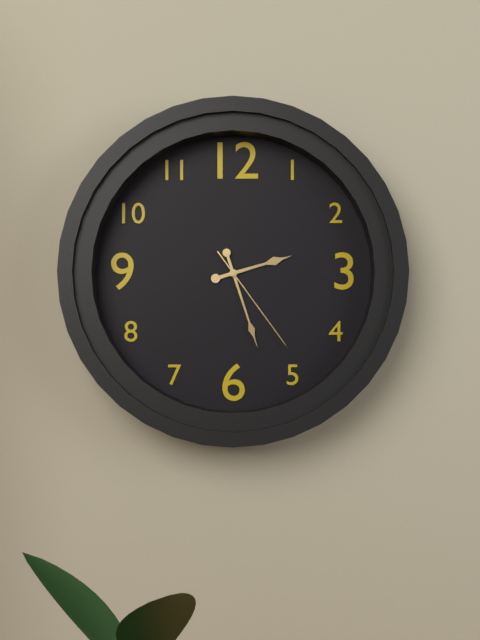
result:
2,27,24
